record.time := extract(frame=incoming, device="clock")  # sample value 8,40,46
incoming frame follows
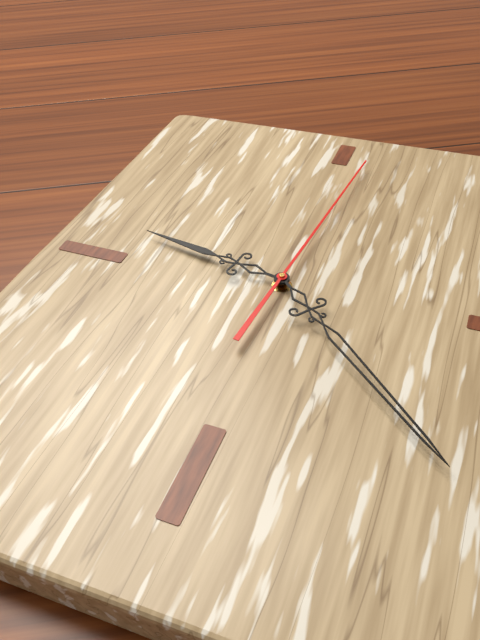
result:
9,22,01
